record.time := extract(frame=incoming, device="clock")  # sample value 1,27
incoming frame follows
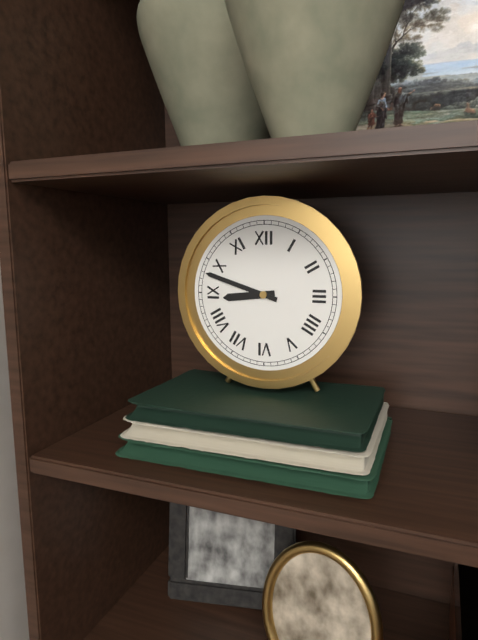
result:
8,48
